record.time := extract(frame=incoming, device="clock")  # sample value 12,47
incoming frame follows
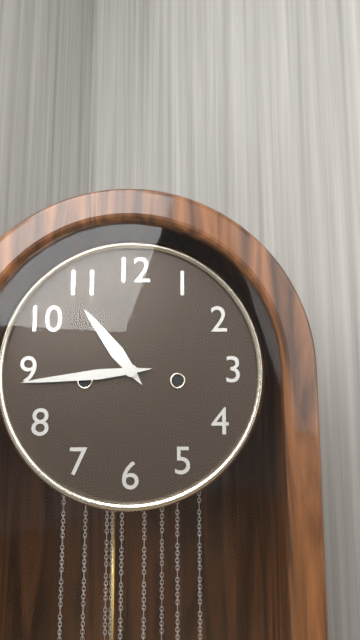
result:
10,44
